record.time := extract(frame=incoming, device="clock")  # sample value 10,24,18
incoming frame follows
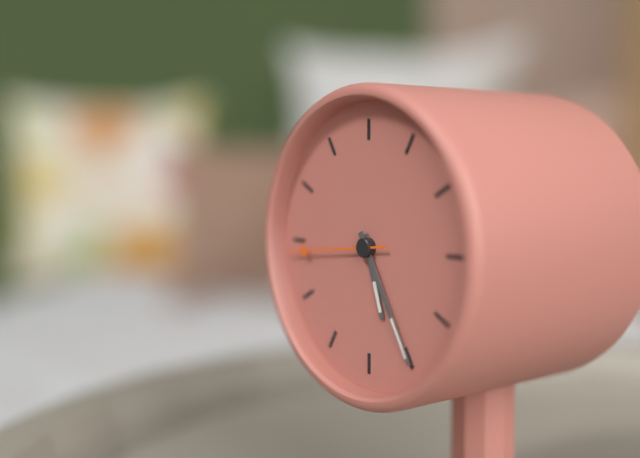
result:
5,25,44
